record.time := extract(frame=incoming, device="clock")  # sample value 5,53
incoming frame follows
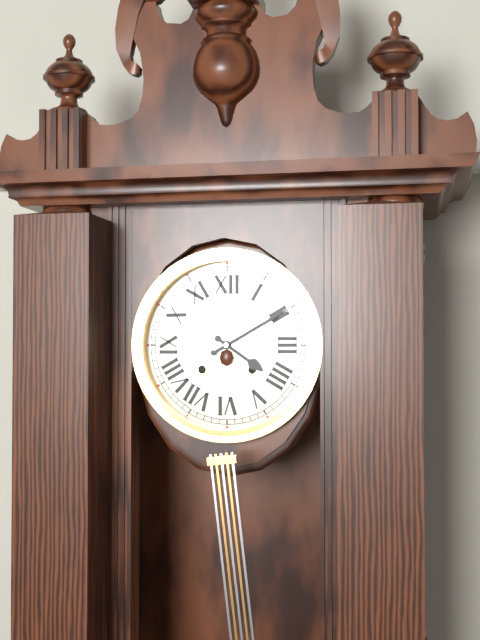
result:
4,10
